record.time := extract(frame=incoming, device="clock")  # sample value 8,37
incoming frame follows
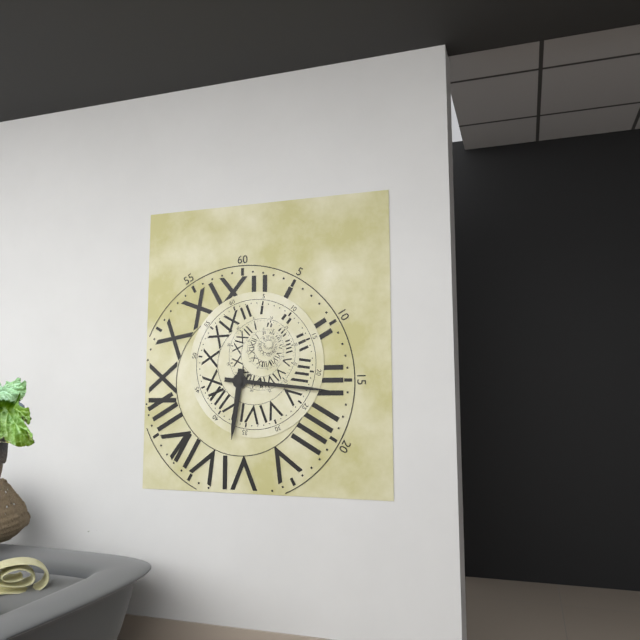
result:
6,16
